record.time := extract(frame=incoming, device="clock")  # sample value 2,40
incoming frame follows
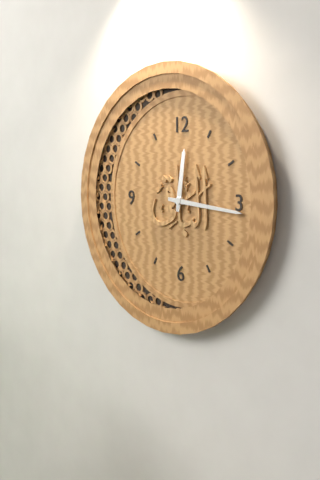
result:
12,16
